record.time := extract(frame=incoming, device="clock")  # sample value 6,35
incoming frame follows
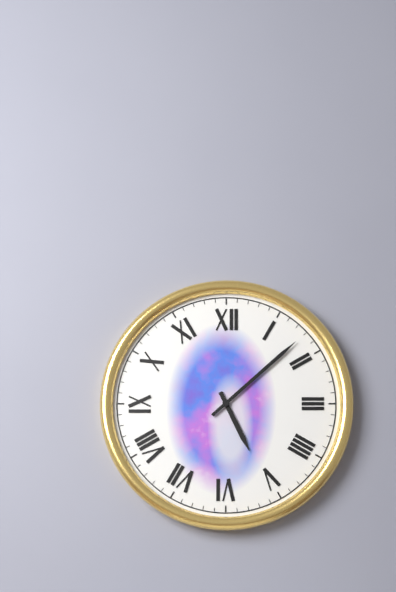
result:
5,08
